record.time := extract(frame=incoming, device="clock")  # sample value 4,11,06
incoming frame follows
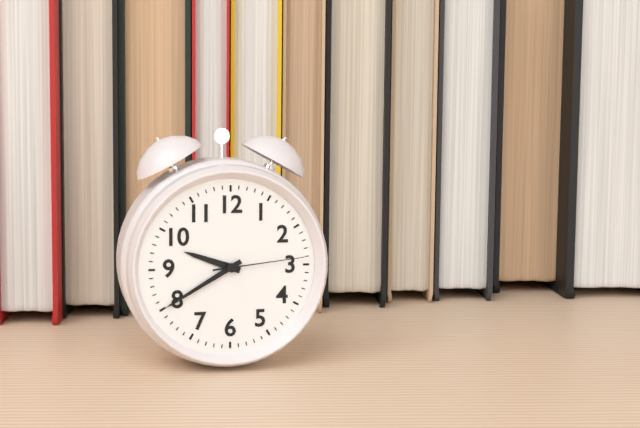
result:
9,40,14
